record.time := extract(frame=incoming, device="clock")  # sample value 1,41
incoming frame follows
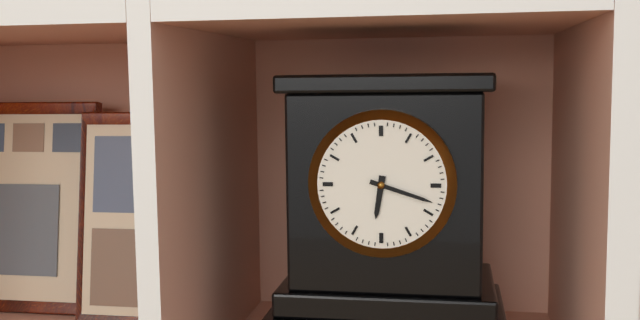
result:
6,18
